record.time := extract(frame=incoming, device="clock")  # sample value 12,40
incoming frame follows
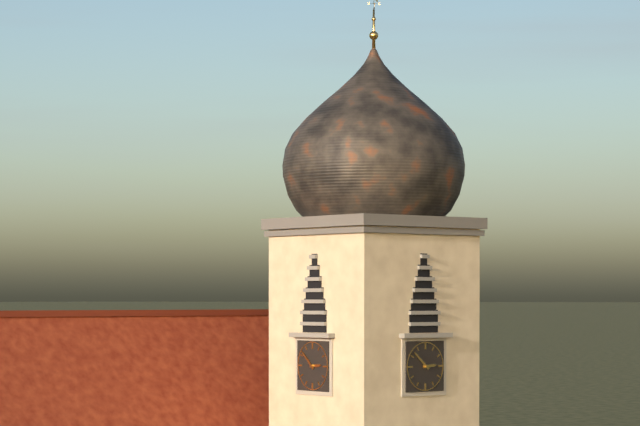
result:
2,52
